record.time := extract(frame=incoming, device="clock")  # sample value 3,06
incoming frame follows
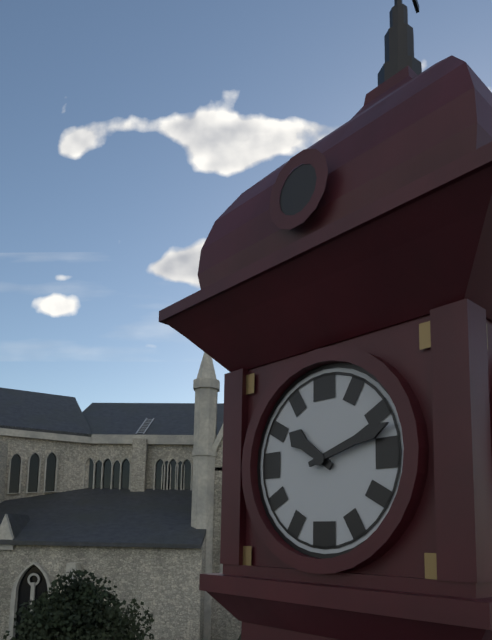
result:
10,12
